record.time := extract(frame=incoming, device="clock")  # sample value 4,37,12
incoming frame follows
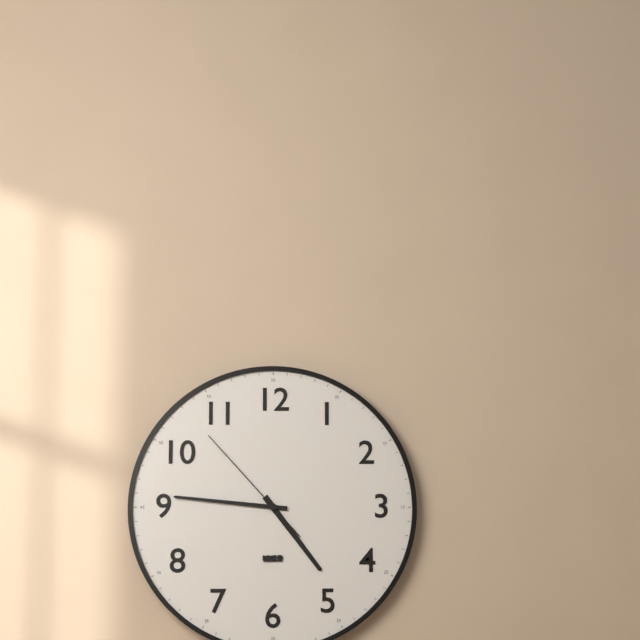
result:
4,46,53
